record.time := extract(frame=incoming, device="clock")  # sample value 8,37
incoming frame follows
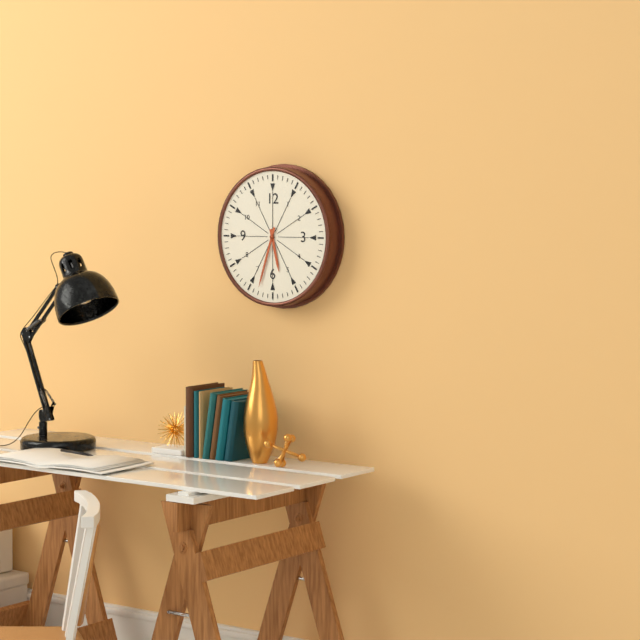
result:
5,33
